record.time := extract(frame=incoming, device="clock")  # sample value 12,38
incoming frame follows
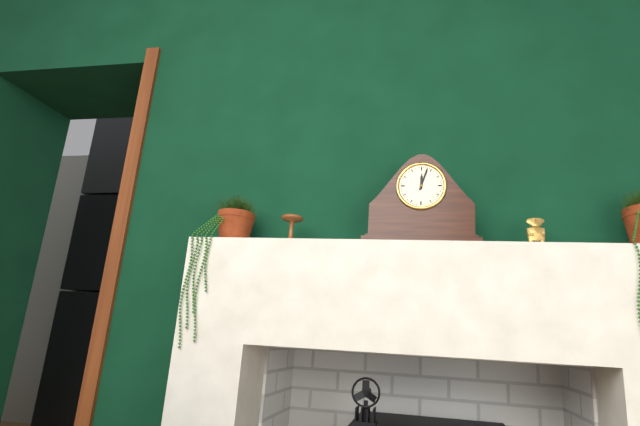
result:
12,03
